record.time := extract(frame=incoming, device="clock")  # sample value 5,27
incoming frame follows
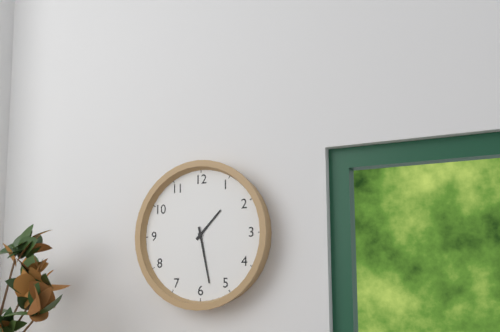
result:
1,28
